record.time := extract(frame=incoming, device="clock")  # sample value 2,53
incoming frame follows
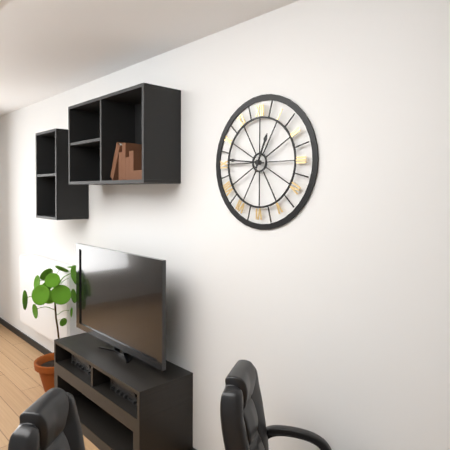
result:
12,46
